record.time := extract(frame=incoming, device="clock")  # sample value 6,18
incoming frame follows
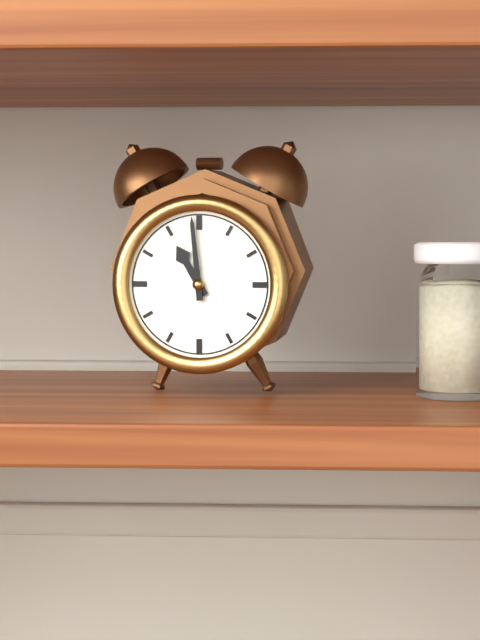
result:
10,59
